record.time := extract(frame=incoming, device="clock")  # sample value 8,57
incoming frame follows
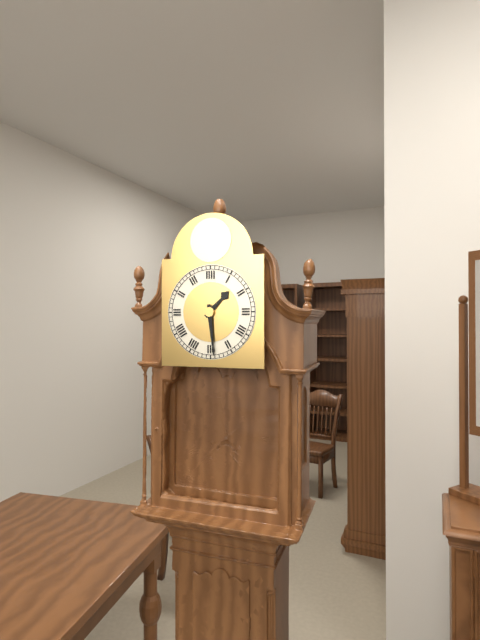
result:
1,29
